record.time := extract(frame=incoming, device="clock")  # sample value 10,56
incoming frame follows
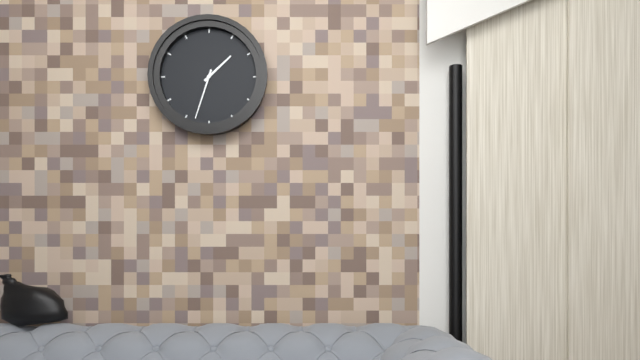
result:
1,33
